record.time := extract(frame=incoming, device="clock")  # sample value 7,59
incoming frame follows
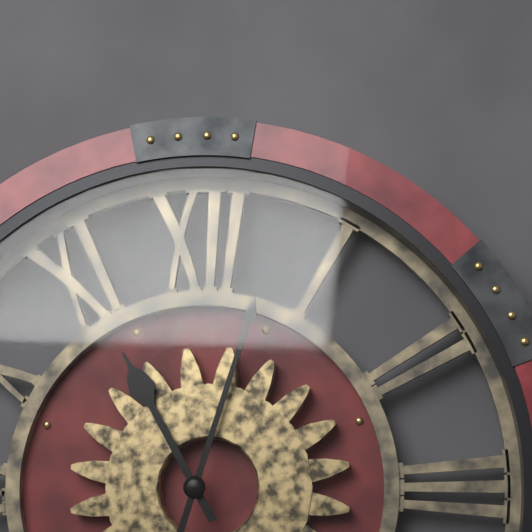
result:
11,03
